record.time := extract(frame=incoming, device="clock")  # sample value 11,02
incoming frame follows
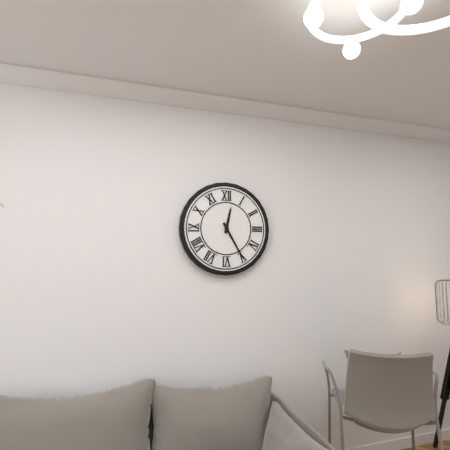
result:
12,25
